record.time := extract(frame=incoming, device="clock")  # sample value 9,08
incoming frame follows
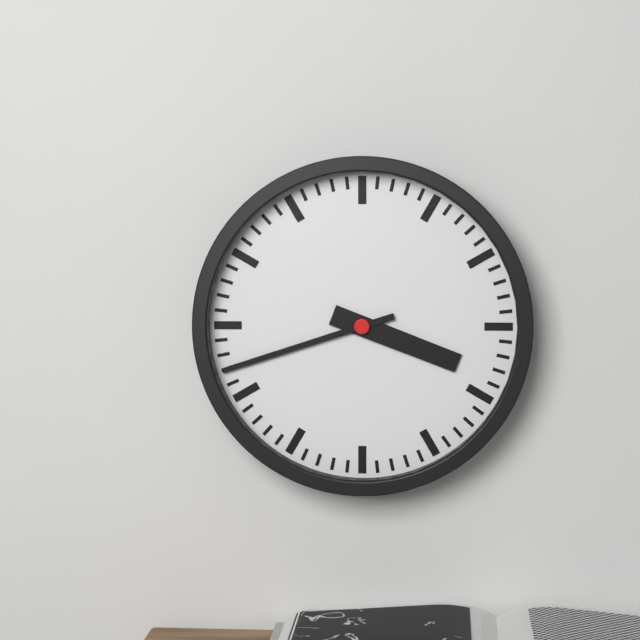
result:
3,42
